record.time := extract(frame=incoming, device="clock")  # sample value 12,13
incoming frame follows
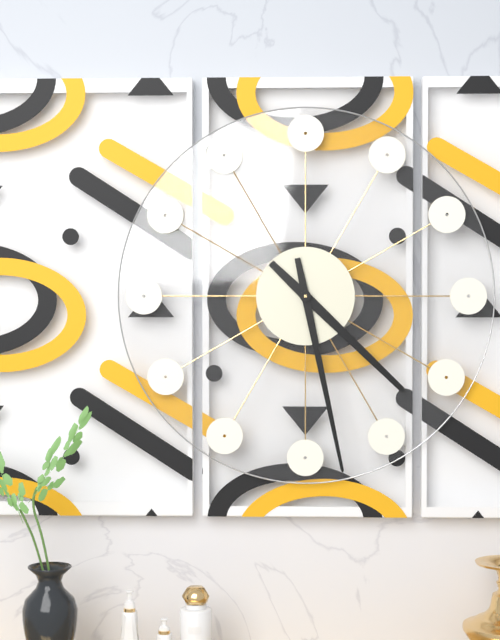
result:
4,28
